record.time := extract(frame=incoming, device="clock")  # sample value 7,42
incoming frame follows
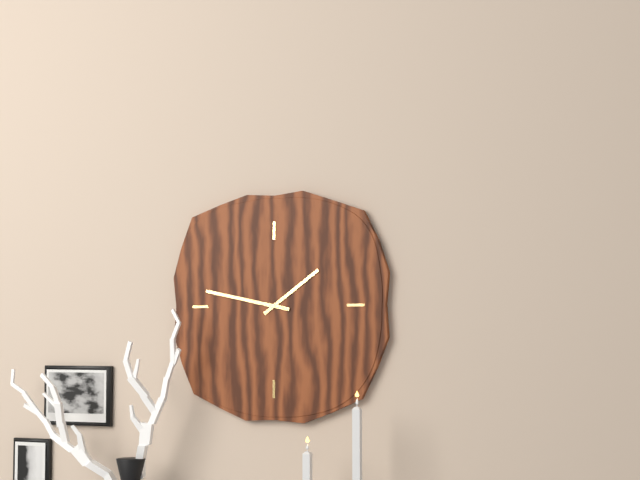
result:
1,47
